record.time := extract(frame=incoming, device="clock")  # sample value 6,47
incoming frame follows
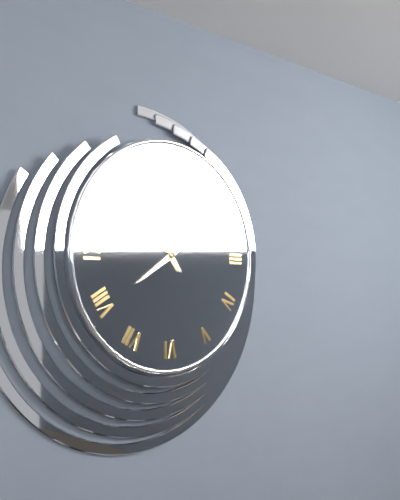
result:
7,54
